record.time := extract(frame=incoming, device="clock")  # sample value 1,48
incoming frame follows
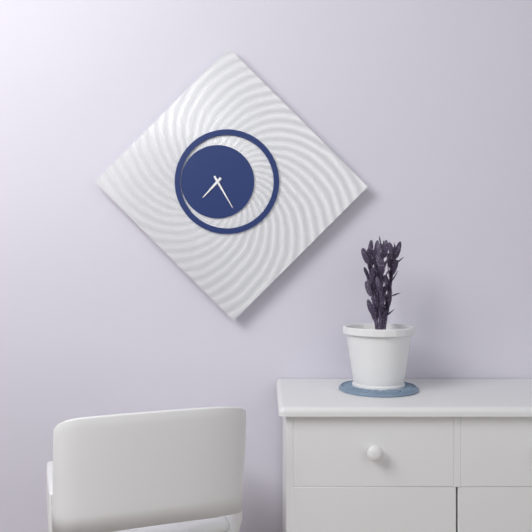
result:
7,25
